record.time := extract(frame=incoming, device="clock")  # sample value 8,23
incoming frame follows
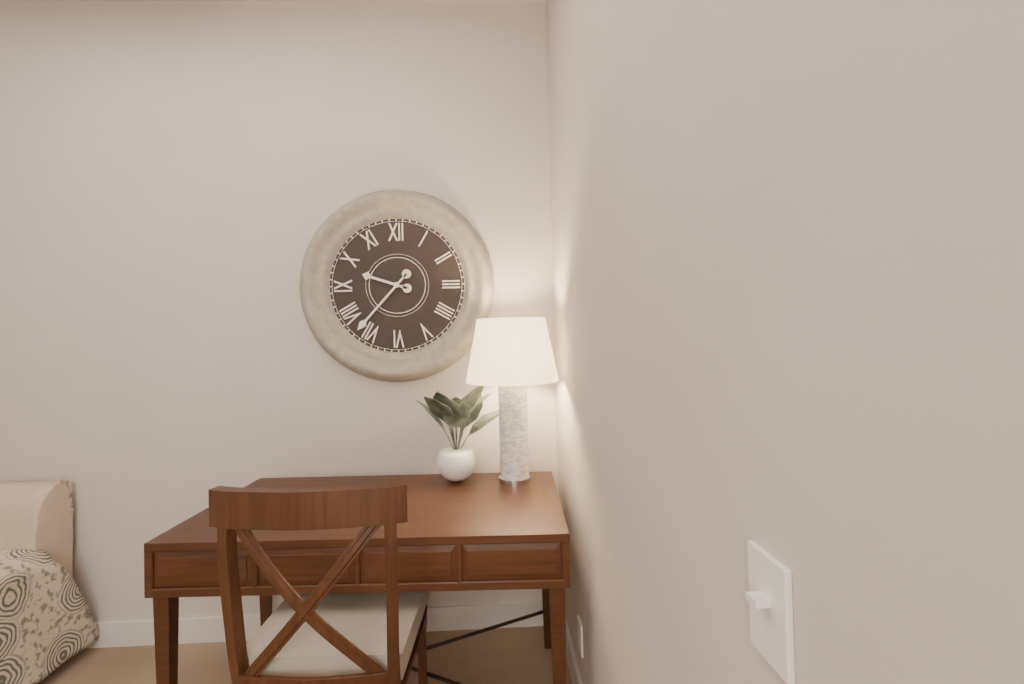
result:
9,37
